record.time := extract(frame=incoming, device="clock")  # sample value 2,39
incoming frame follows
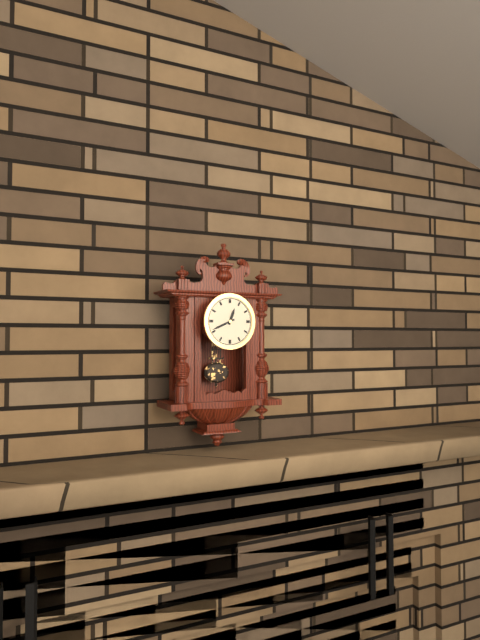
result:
12,41
